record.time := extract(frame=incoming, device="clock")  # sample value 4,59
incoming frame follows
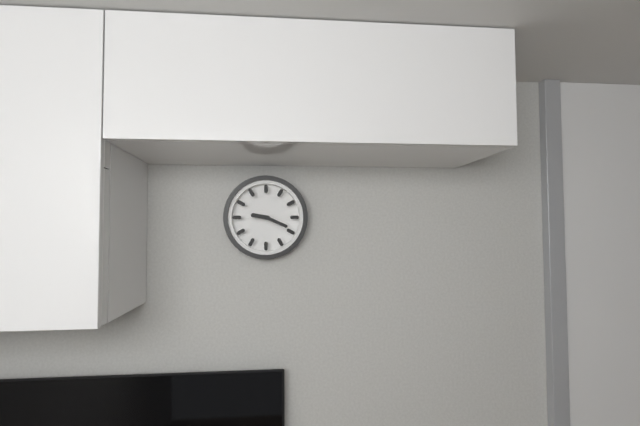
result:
9,19
